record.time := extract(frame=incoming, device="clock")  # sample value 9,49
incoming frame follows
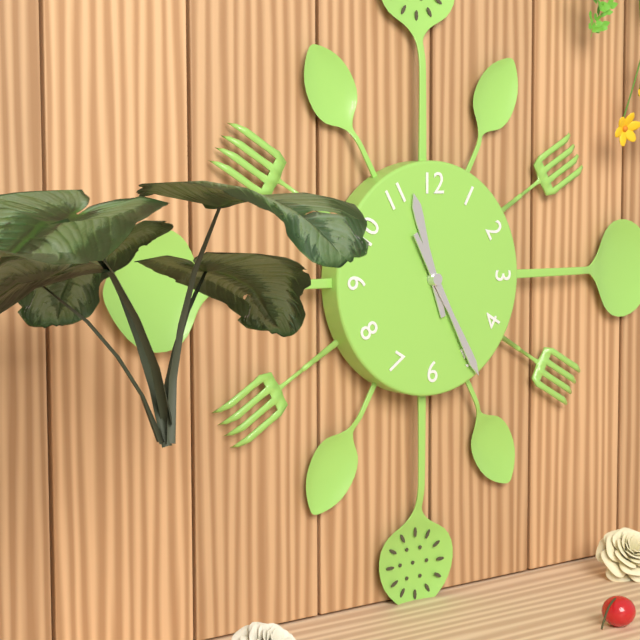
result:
11,25
